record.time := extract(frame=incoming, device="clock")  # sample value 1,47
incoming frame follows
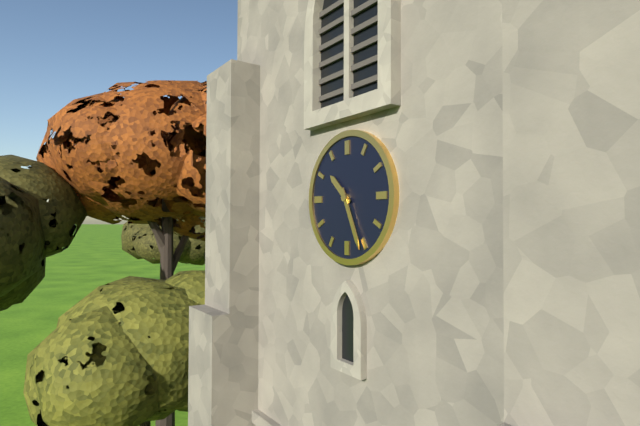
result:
10,26
